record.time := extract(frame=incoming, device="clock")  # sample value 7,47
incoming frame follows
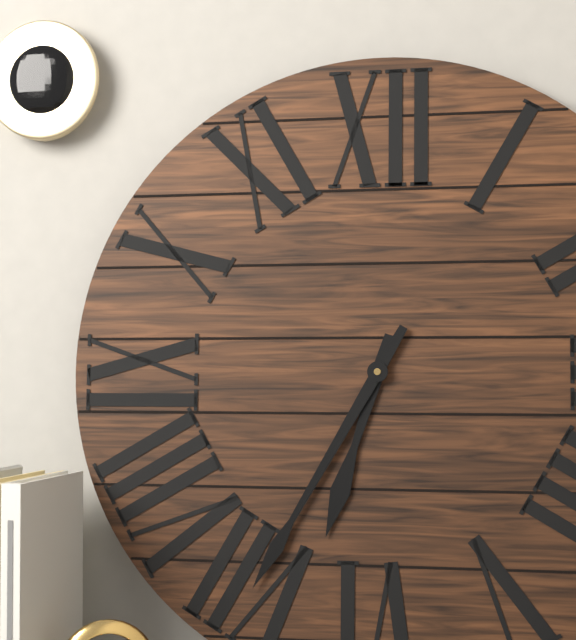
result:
6,35
